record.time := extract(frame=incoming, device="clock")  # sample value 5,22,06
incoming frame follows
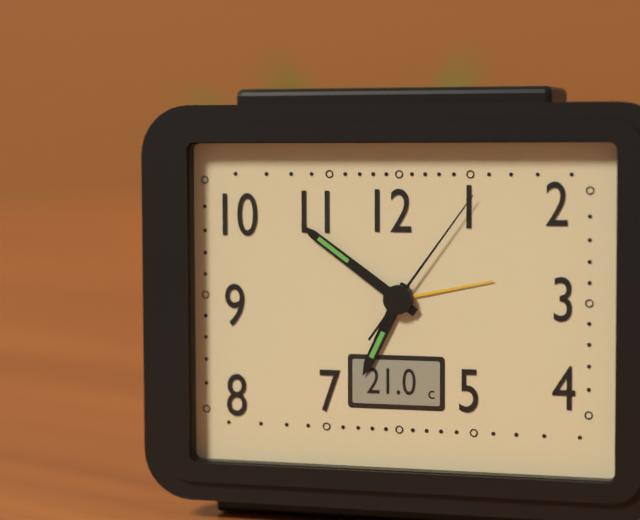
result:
6,51,06
